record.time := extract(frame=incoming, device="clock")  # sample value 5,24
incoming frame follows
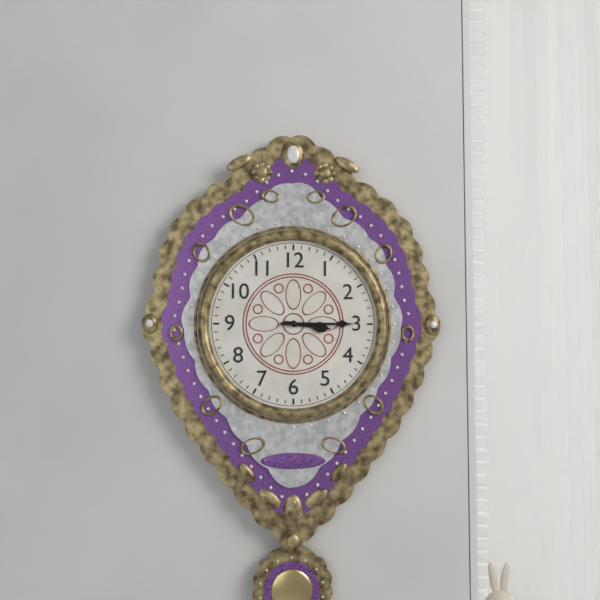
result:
3,15
